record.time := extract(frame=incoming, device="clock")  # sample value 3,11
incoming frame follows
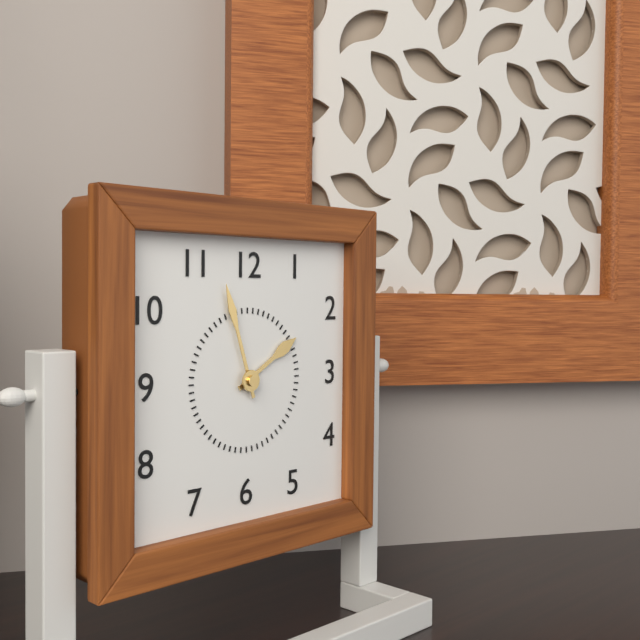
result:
1,57
